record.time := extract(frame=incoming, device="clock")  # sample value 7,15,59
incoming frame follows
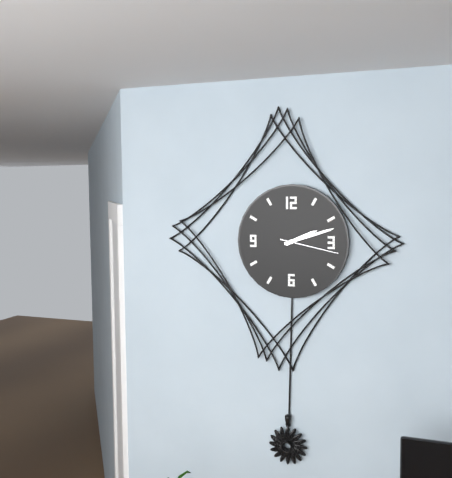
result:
2,12,17
